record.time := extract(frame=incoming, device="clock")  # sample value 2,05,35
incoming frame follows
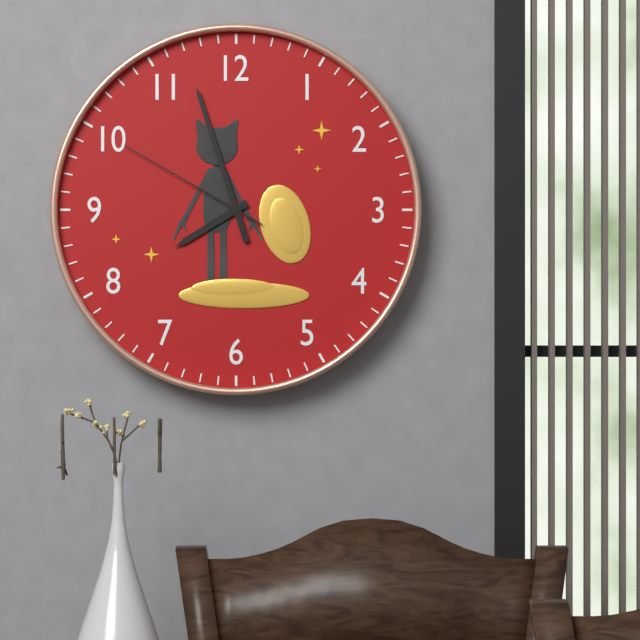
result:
7,57,50
